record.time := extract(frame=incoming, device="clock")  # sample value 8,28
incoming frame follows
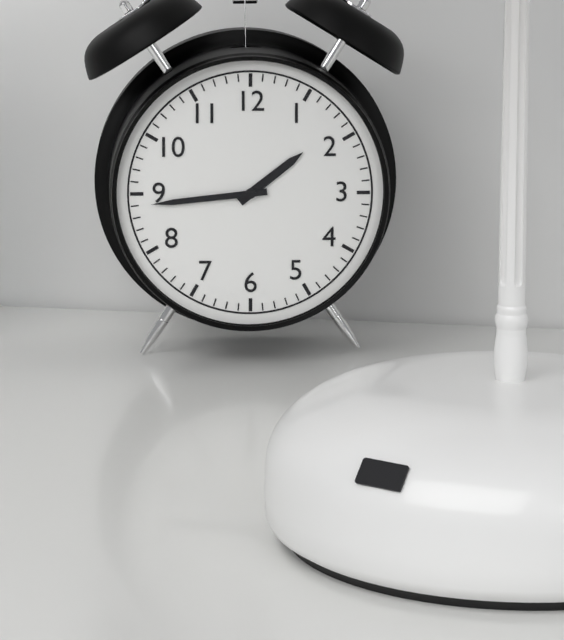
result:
1,44
